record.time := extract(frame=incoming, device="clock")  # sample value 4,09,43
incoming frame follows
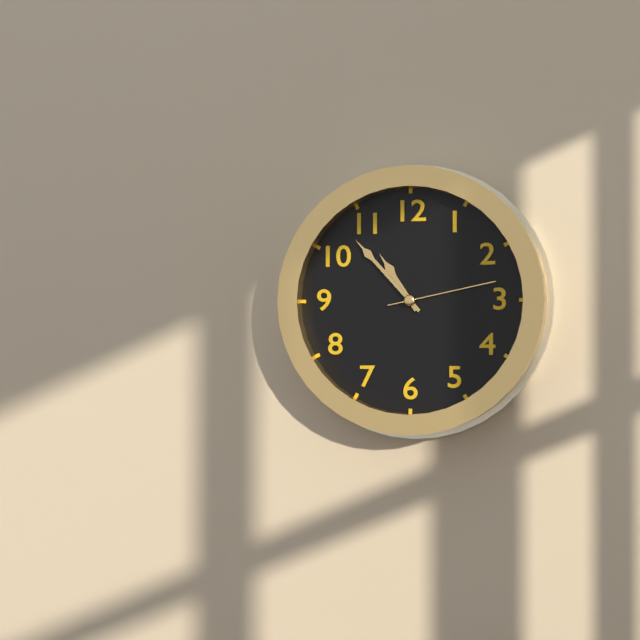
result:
10,53,13
